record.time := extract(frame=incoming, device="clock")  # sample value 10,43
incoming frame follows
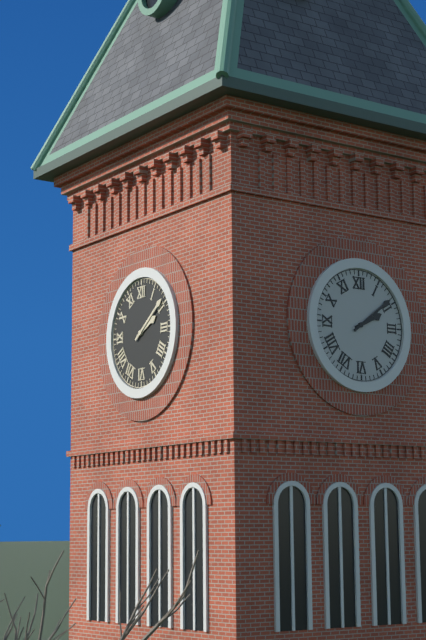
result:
2,09
